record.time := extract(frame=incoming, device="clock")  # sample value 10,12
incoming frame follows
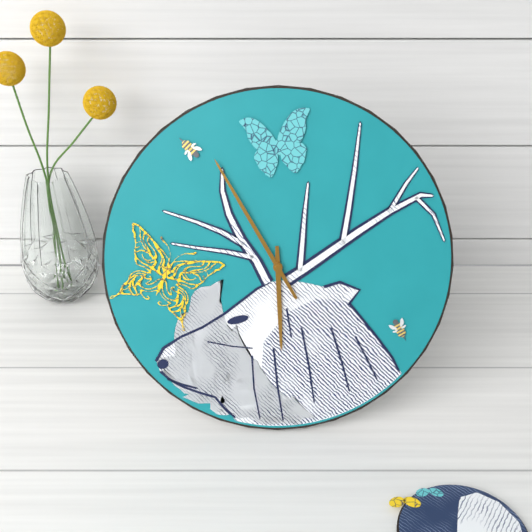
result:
5,55
